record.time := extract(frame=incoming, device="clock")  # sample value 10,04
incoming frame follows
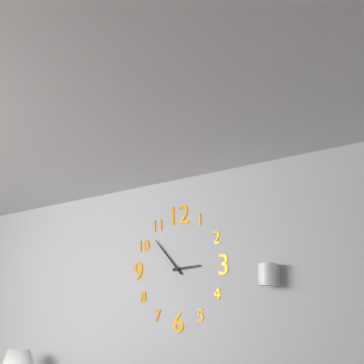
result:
2,53
